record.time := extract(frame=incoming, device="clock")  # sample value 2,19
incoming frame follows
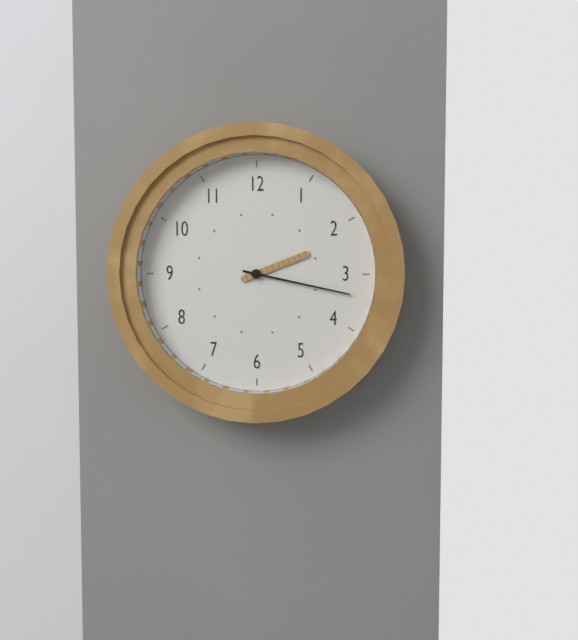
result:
2,17
